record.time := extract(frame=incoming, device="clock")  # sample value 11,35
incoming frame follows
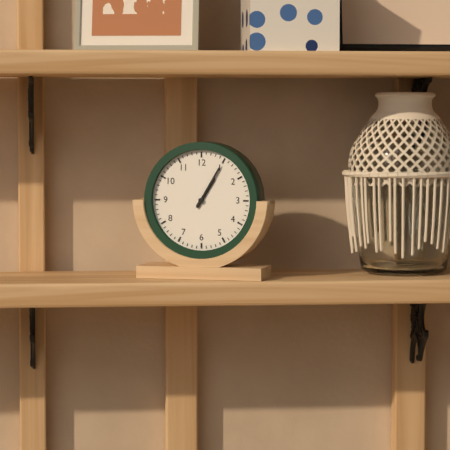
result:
1,05
